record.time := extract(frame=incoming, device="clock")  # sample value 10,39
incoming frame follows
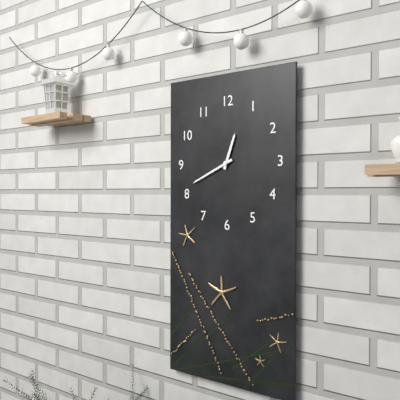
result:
12,41
